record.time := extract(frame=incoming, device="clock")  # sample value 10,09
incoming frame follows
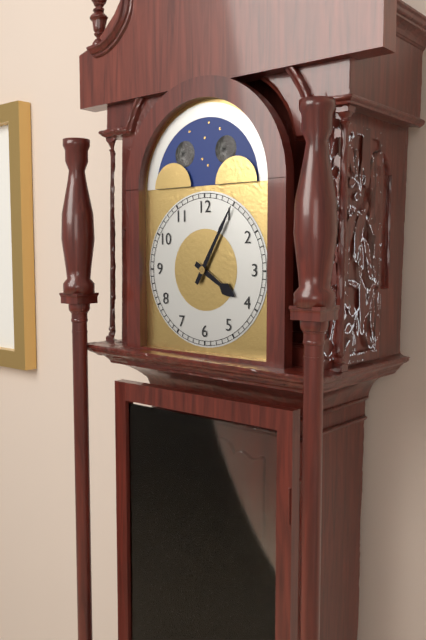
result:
4,05
